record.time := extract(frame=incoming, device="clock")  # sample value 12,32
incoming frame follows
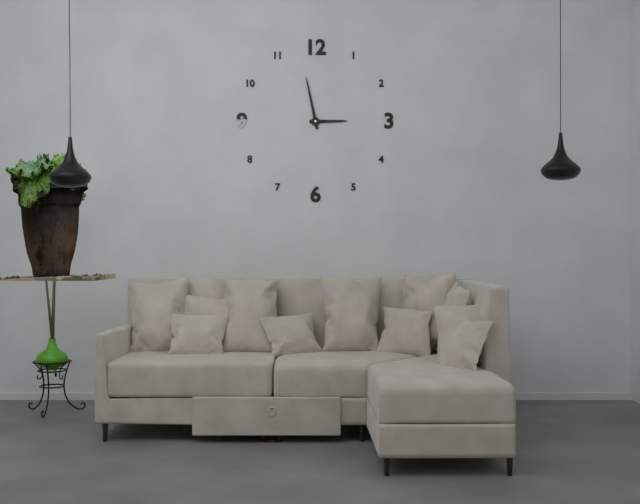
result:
2,58
